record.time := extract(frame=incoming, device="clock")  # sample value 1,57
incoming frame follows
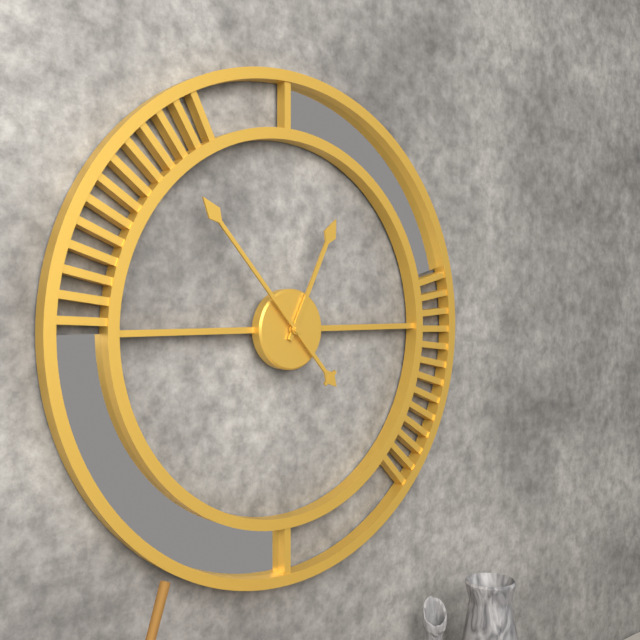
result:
12,53
